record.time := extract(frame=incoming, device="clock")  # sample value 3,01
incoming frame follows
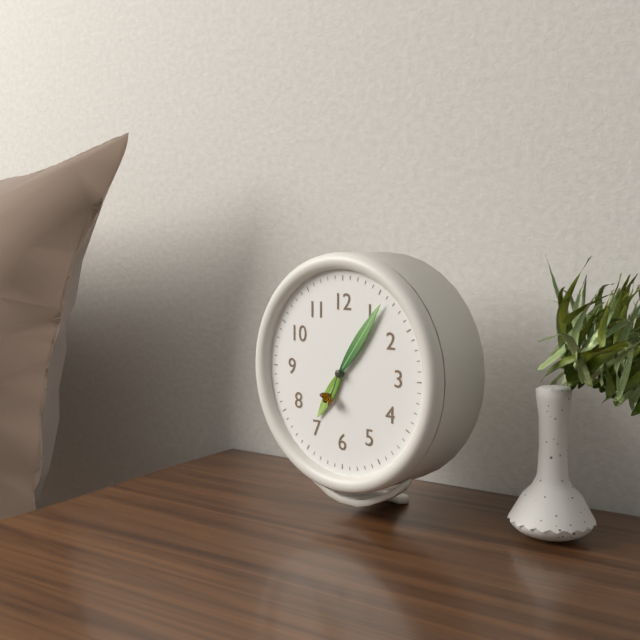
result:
7,06
